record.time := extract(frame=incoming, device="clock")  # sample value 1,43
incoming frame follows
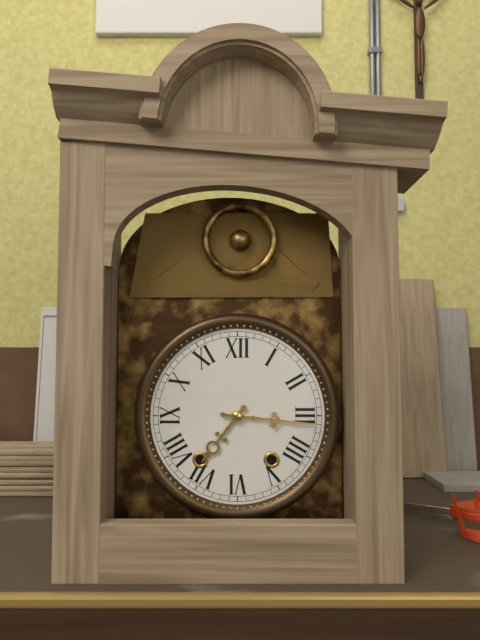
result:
7,16
